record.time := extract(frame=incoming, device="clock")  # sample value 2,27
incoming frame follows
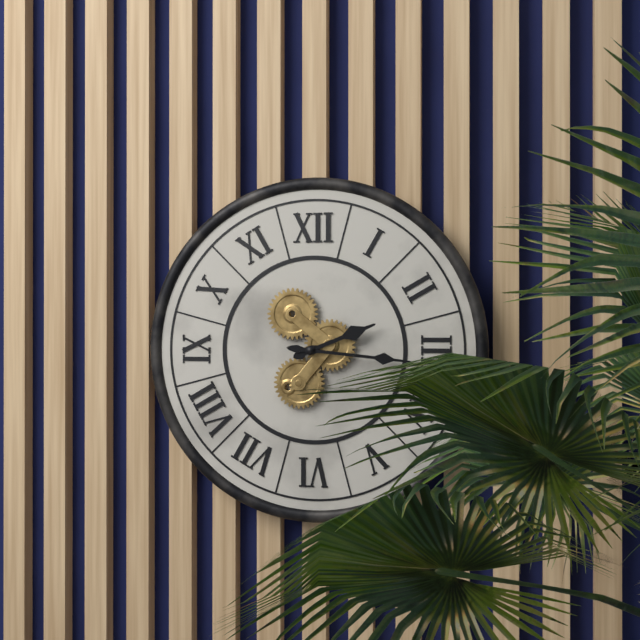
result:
2,16
